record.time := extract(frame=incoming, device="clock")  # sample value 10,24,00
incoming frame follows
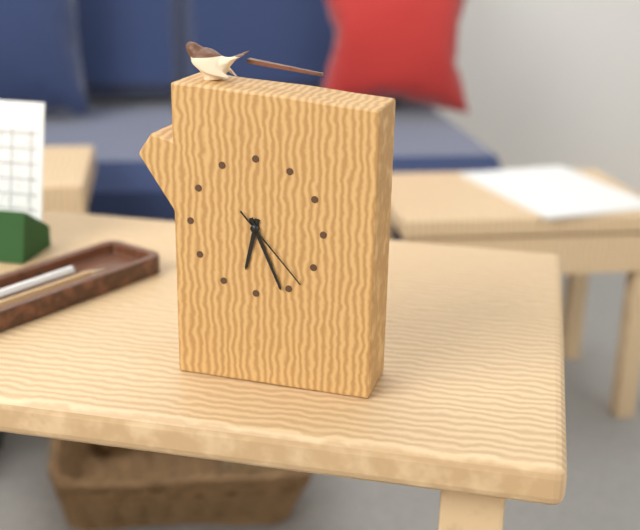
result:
6,26,23
